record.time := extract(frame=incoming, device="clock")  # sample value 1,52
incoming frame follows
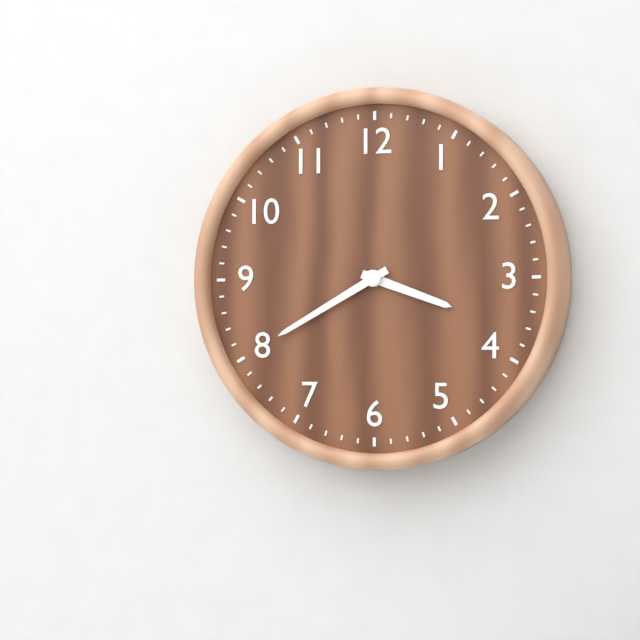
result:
3,40
